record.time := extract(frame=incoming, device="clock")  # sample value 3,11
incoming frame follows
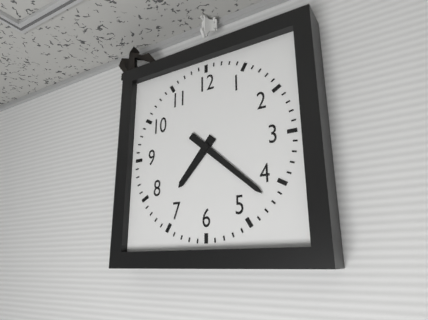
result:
7,22
